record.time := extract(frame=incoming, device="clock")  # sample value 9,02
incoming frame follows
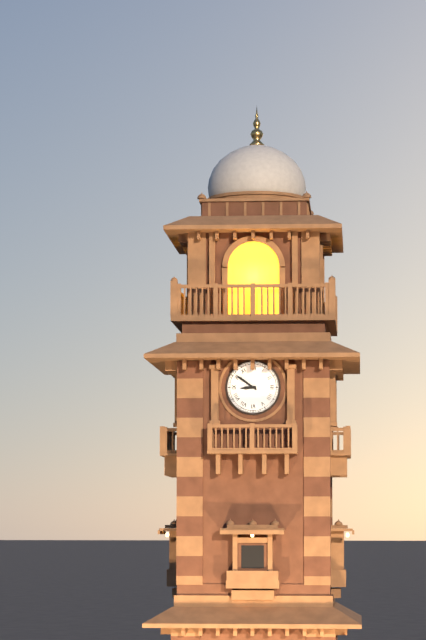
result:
8,51
